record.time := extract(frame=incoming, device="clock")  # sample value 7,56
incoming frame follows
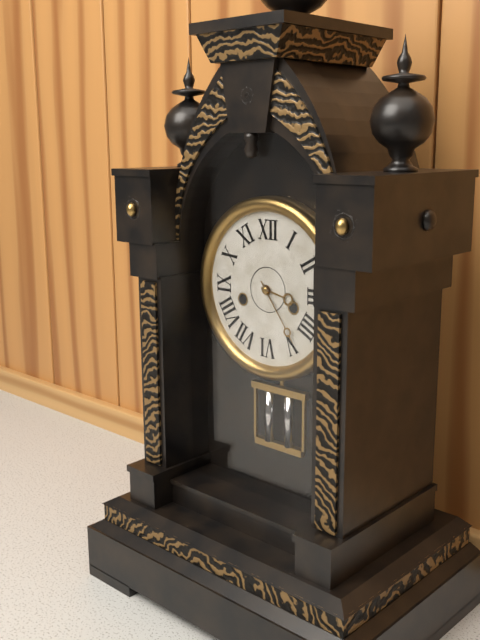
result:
3,24
